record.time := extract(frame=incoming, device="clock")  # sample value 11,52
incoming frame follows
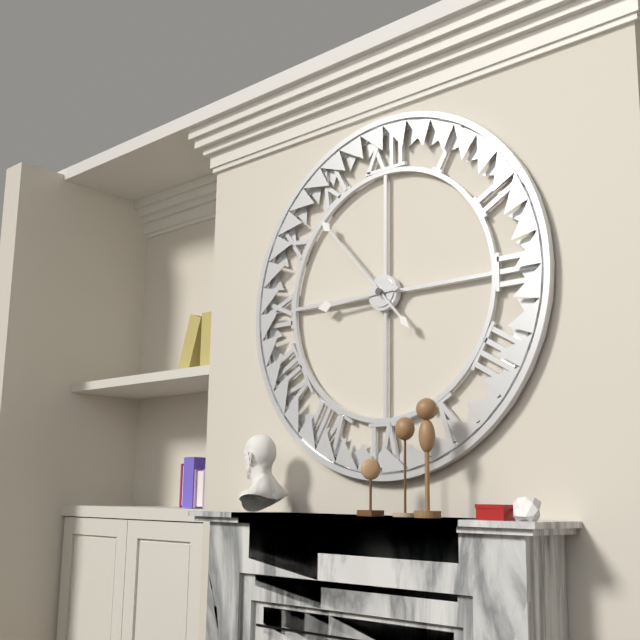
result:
8,53
